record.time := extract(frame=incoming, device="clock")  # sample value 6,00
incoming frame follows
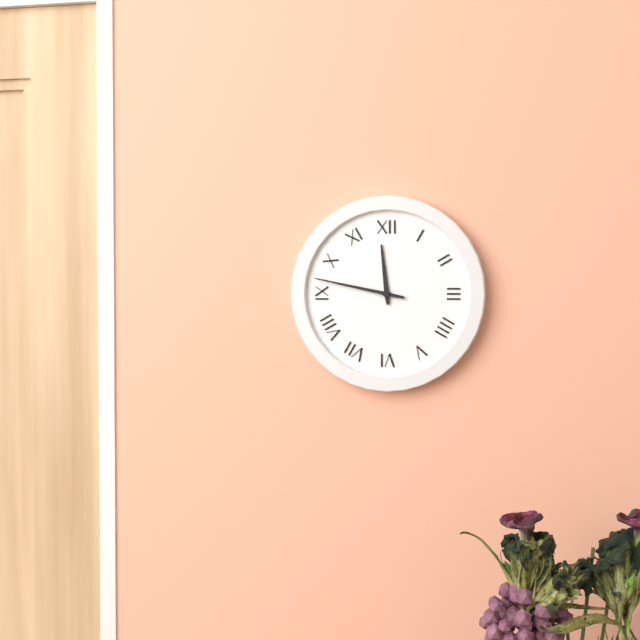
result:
11,47
